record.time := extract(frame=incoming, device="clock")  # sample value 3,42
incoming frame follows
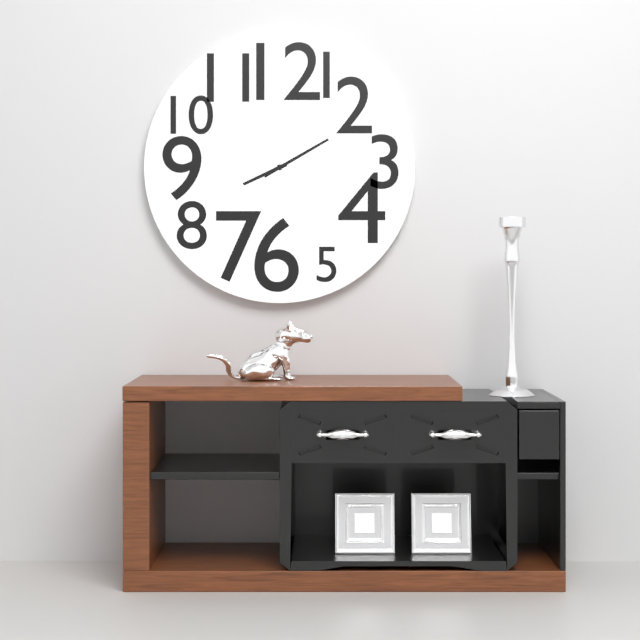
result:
8,10
